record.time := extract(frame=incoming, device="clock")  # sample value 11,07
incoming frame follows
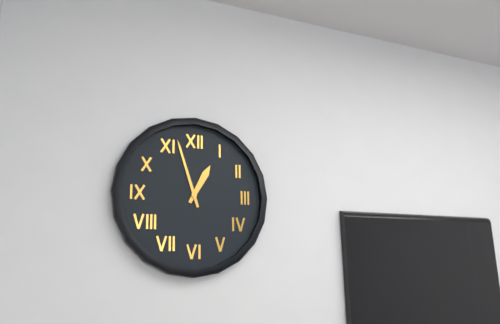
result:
12,57
